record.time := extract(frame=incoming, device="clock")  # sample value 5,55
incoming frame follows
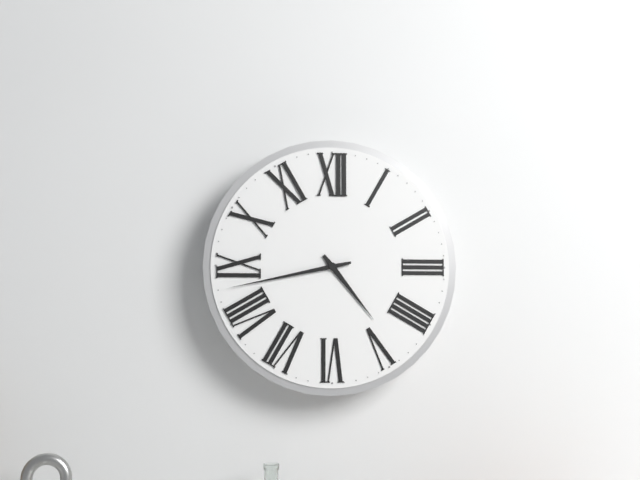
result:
4,43
